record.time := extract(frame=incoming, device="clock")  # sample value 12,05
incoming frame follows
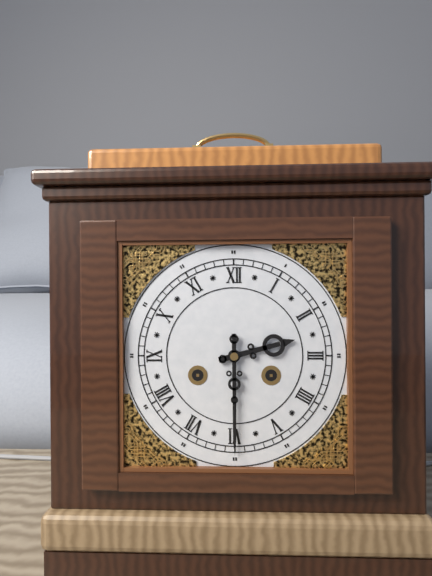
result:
2,30
